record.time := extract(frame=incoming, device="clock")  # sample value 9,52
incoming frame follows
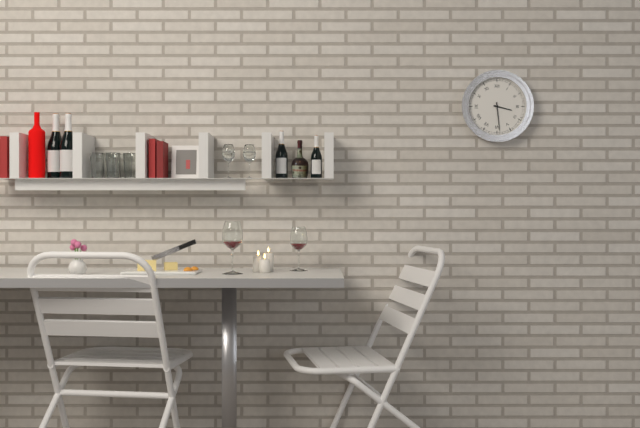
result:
3,29
